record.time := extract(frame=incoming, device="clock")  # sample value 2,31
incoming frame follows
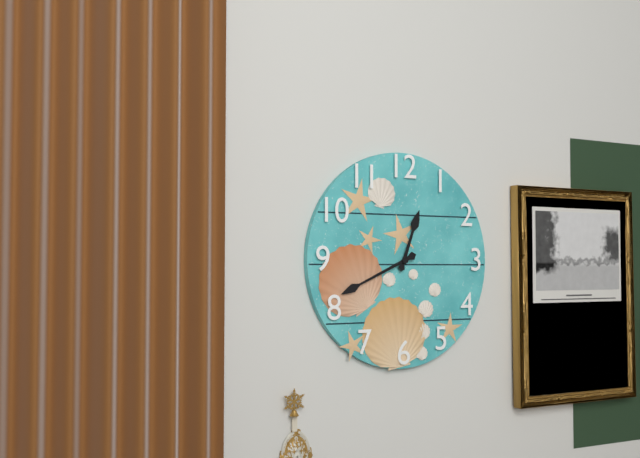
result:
12,41
